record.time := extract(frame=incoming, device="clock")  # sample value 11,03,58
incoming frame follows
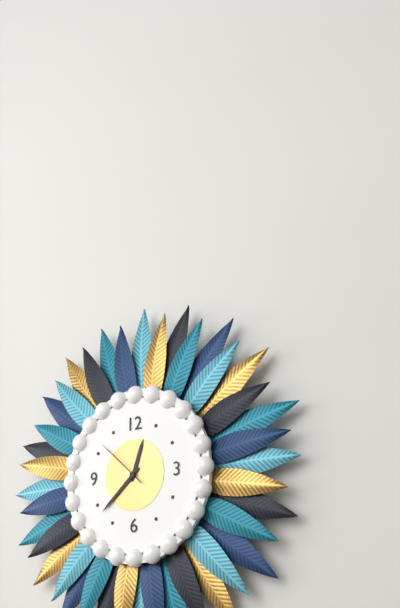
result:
12,38,52
